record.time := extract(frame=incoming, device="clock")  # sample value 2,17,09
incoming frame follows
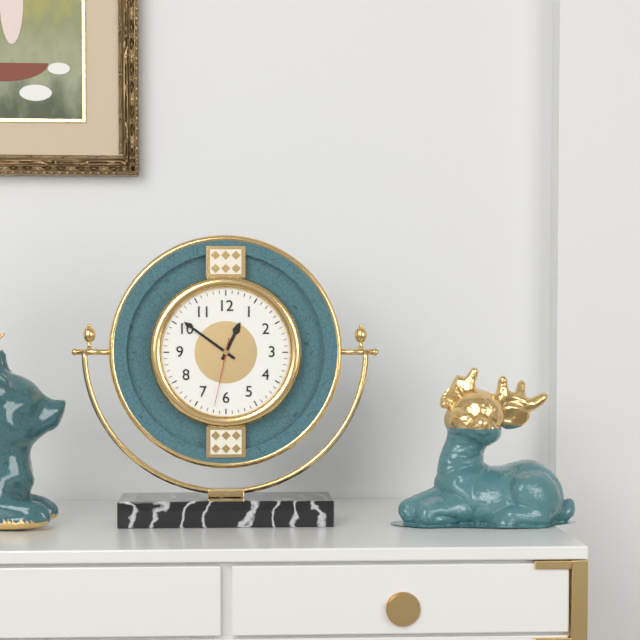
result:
12,51,32
